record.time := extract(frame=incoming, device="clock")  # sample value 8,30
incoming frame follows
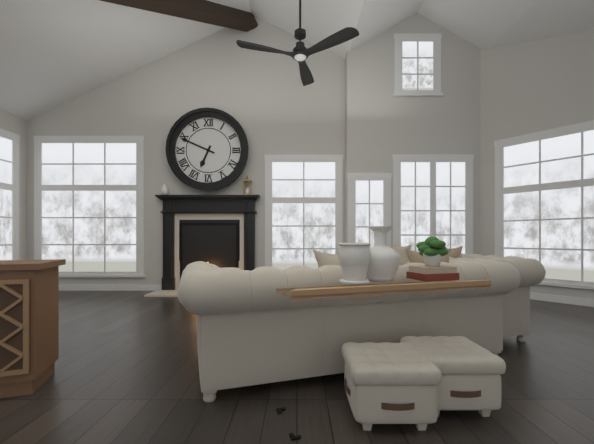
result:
6,49
